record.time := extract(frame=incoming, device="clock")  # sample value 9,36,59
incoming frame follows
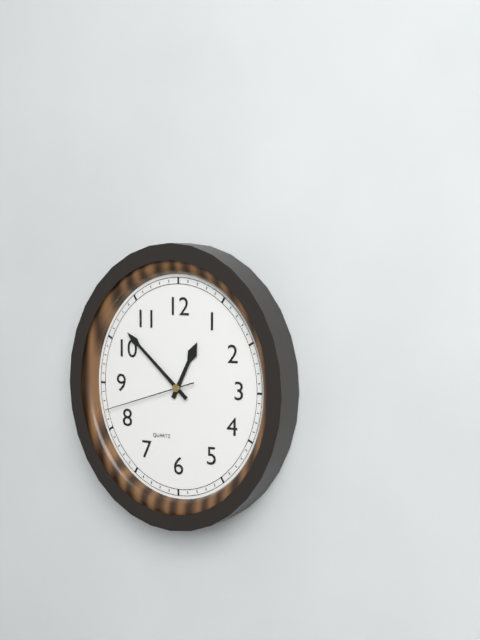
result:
12,52,42
